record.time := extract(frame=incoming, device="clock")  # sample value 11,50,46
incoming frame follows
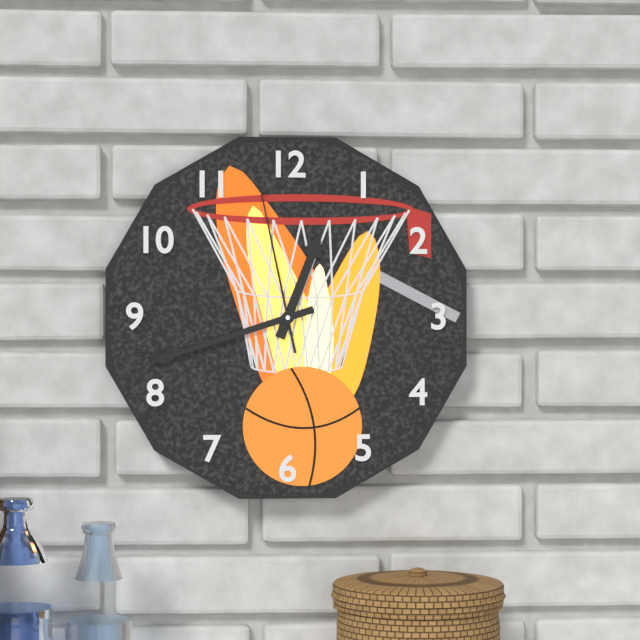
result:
12,42,58
